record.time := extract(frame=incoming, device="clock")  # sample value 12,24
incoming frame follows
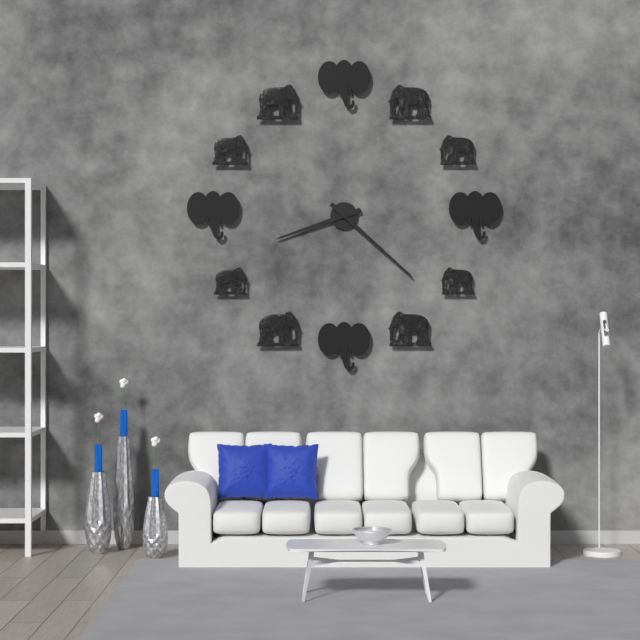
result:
8,22
